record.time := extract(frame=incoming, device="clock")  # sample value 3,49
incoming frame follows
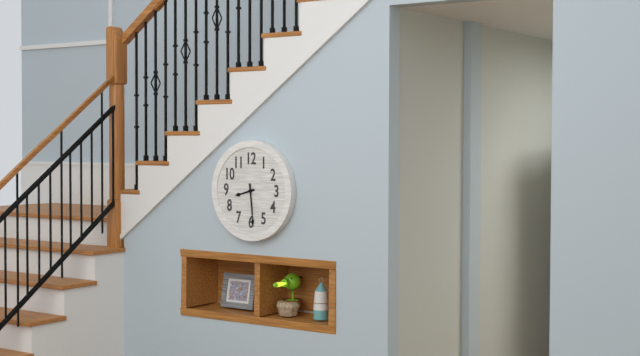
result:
8,29
